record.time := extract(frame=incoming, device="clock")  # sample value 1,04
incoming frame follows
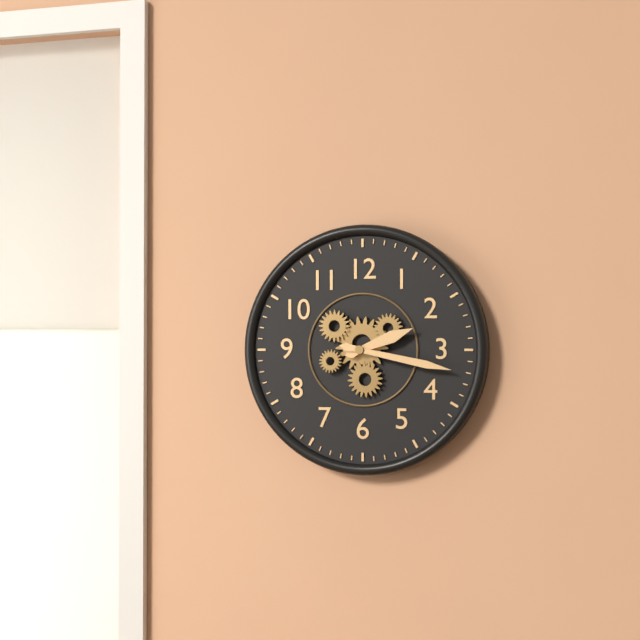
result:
2,17
